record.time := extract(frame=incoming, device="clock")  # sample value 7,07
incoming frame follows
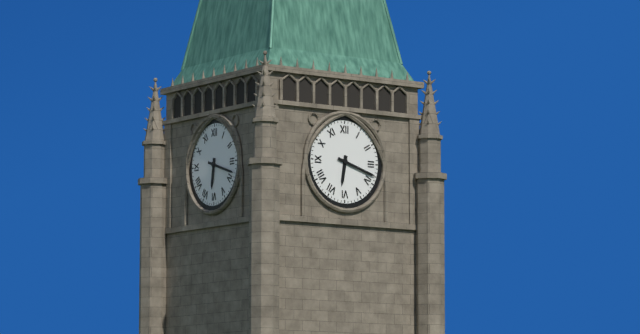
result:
6,18
